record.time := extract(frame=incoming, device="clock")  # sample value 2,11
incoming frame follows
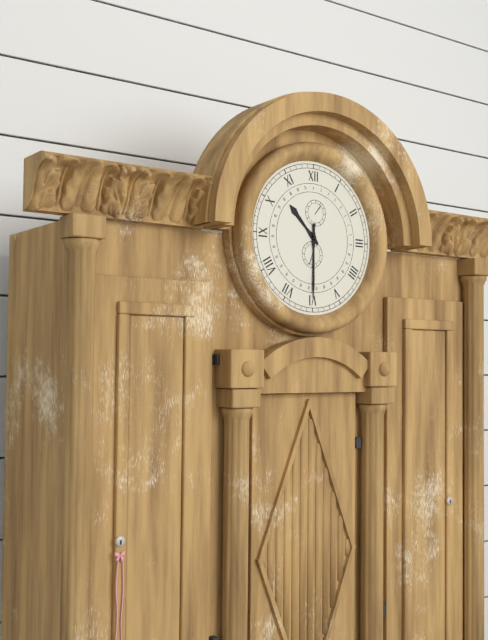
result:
10,30
